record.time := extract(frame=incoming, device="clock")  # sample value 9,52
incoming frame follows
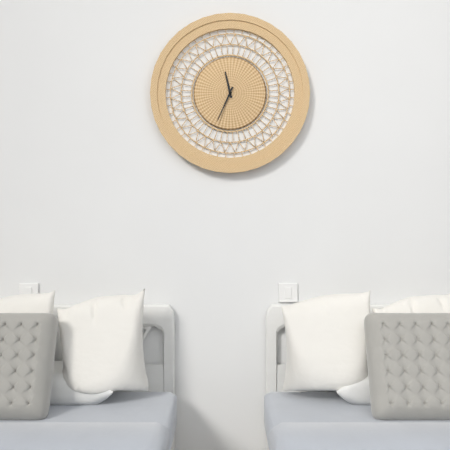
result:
11,34
